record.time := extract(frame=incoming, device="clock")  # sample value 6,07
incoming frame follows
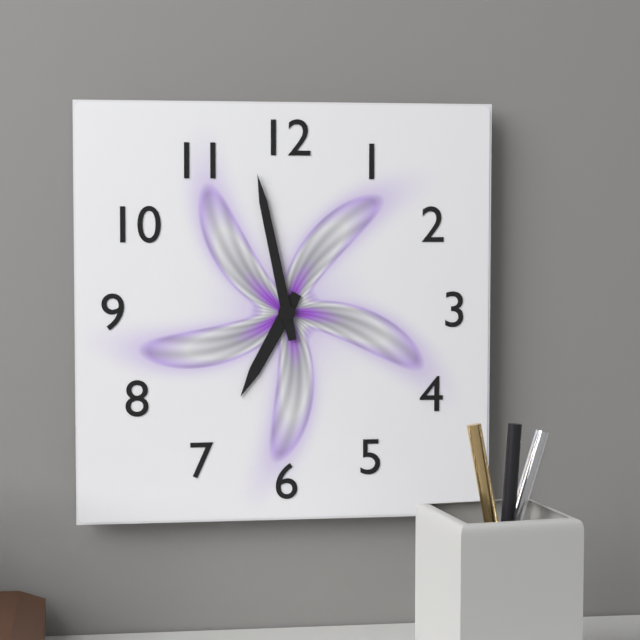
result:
6,58
